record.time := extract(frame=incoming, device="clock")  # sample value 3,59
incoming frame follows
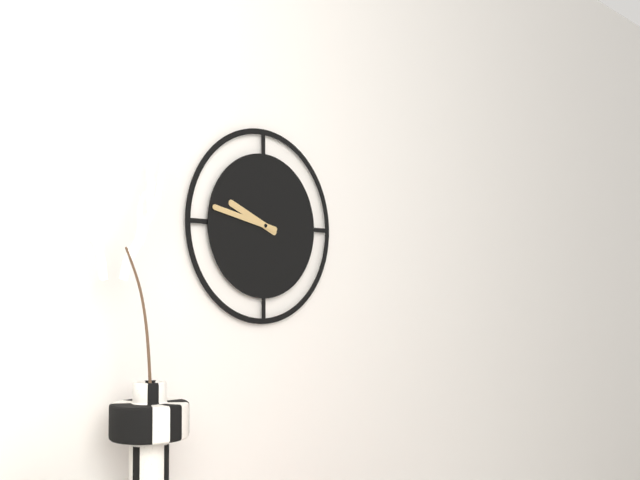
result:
9,47
